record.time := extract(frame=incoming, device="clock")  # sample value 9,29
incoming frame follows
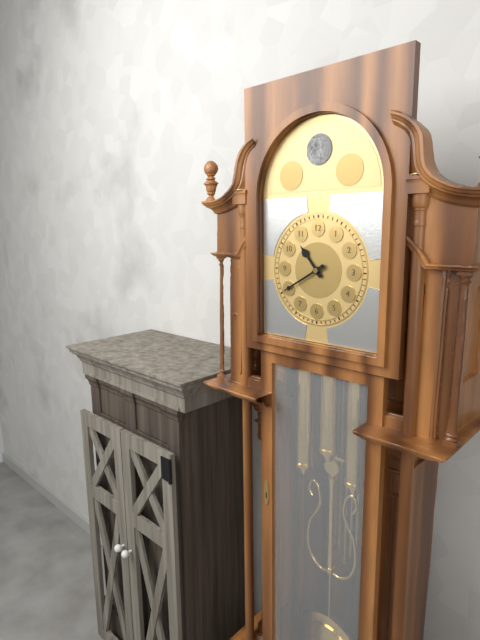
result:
10,40
